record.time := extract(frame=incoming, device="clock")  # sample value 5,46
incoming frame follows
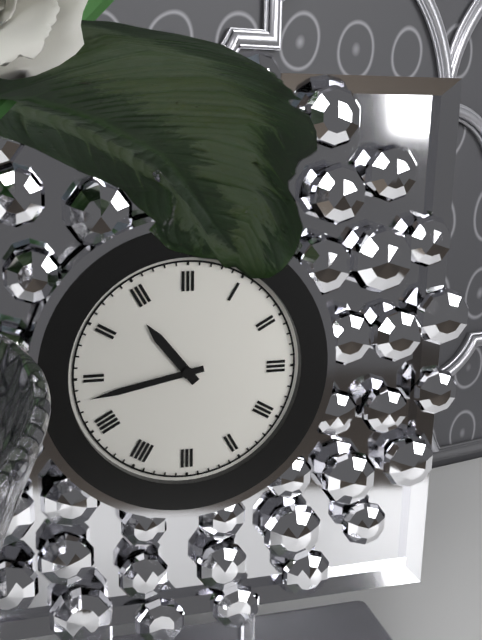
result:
10,43
